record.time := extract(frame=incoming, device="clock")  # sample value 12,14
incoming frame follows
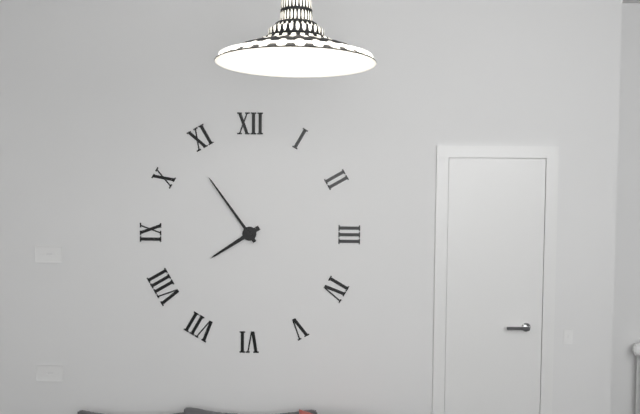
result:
7,54
